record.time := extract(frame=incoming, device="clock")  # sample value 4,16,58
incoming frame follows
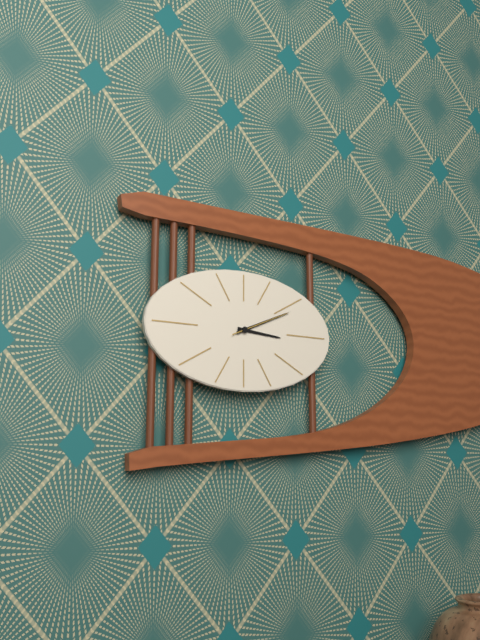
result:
3,11,11
